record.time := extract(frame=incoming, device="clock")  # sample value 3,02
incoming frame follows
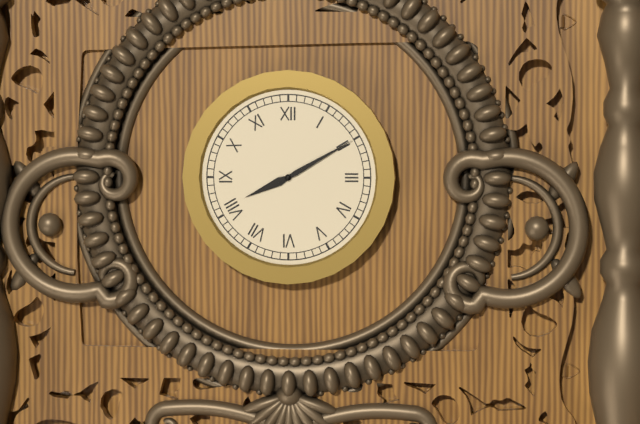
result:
8,10
